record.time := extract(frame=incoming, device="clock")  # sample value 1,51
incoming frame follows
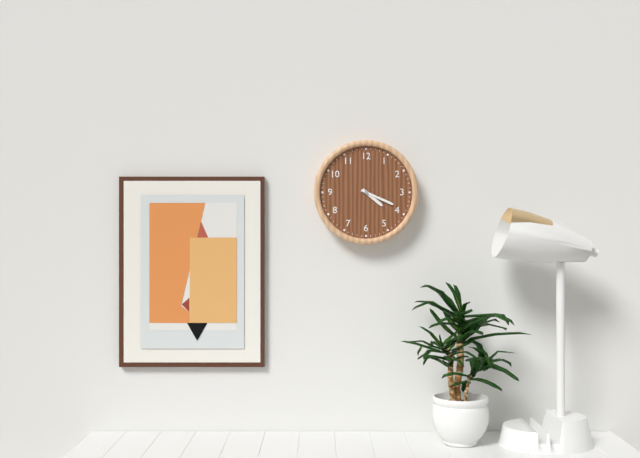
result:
4,19
